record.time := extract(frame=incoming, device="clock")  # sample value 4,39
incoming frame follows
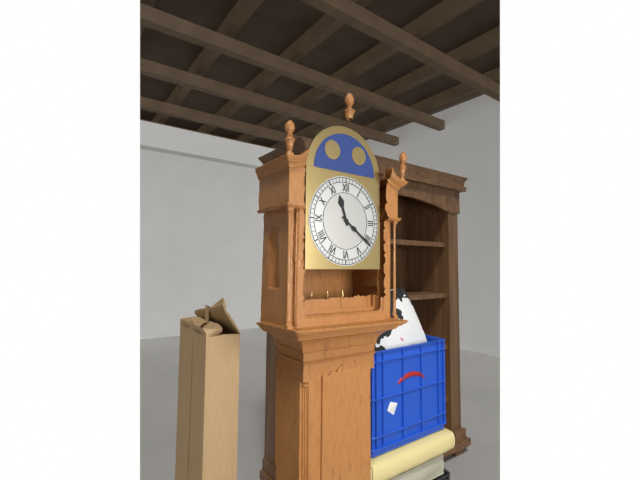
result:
11,21
